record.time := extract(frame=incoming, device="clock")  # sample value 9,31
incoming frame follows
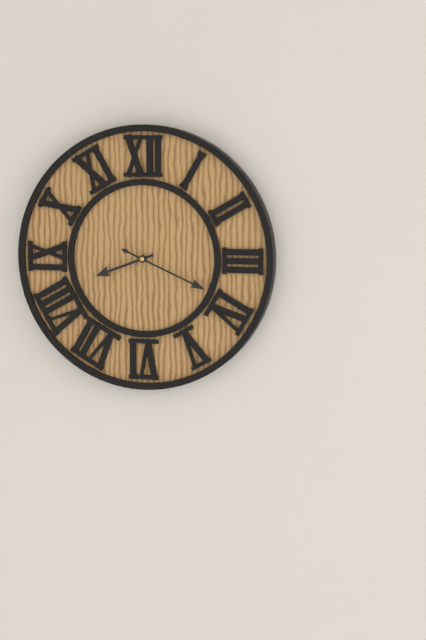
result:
8,19
